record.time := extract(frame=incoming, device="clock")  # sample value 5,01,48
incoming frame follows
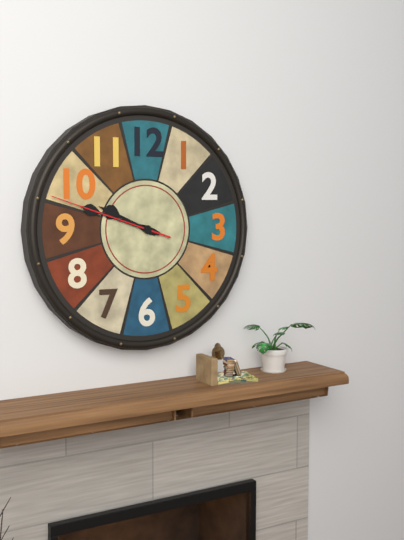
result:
9,48,48
